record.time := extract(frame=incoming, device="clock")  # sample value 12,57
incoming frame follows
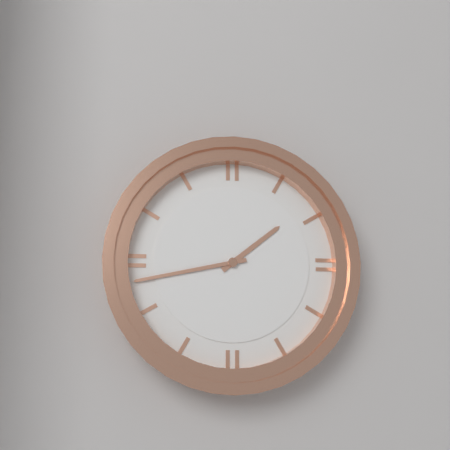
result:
1,43
